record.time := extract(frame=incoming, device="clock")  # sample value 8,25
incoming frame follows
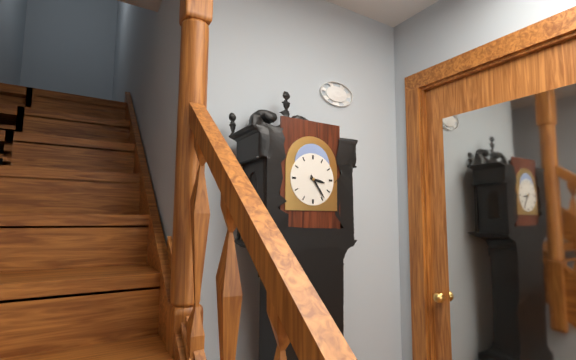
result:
3,24
